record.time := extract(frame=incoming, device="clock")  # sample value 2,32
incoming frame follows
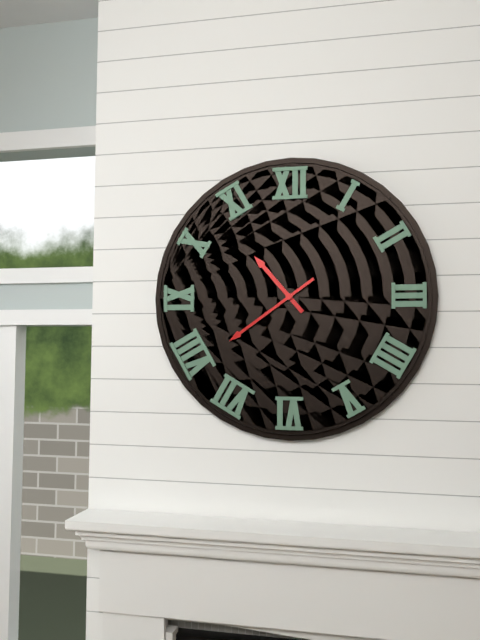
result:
10,39
